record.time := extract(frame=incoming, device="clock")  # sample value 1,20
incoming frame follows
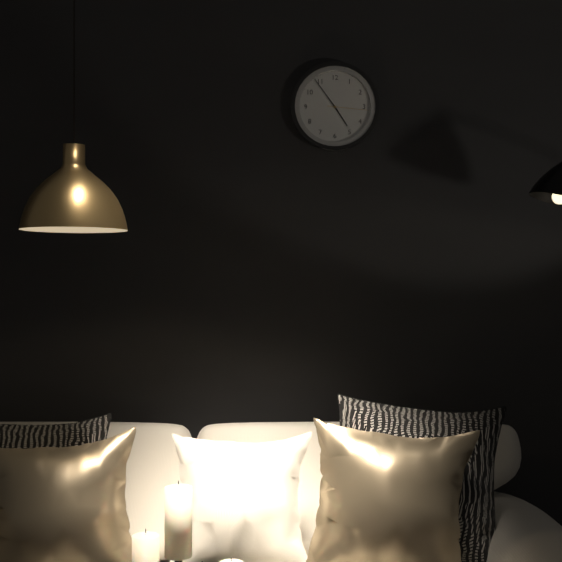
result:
4,54
